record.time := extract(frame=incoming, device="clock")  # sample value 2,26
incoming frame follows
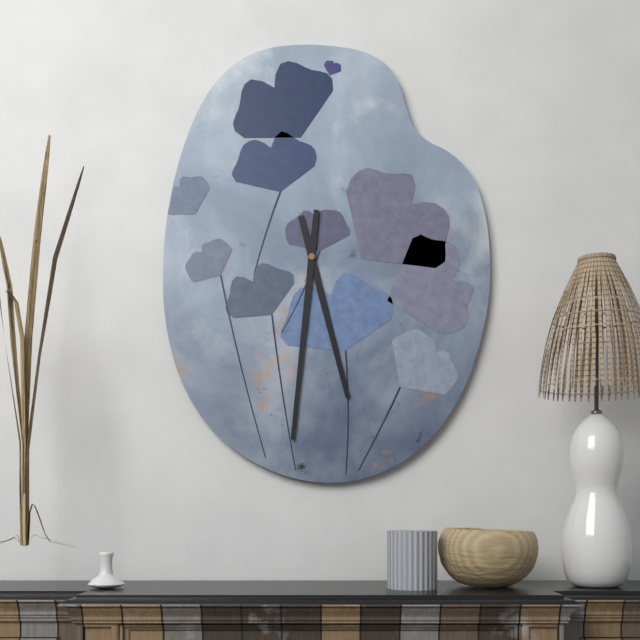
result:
5,31
